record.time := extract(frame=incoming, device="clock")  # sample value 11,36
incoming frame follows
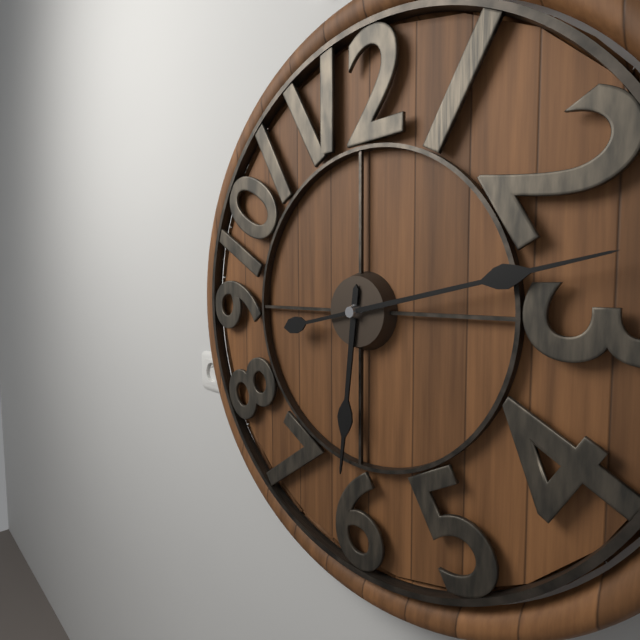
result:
6,13
